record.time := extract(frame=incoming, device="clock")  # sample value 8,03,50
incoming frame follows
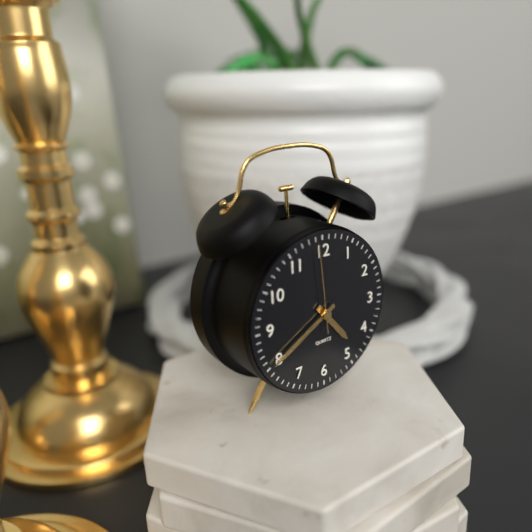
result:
4,40,59
